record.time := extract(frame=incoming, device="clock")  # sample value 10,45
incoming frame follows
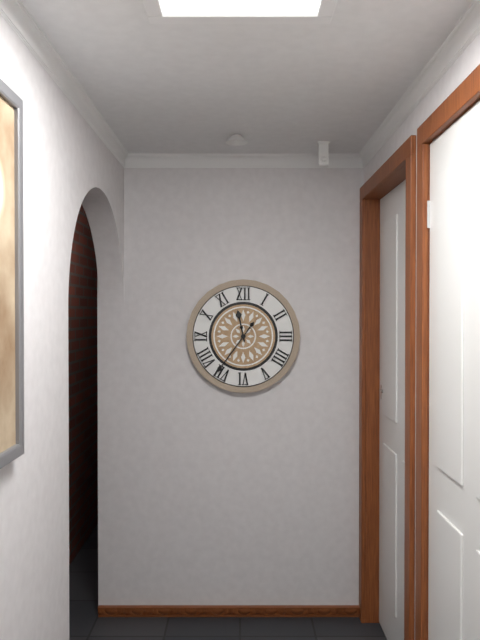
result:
11,36
